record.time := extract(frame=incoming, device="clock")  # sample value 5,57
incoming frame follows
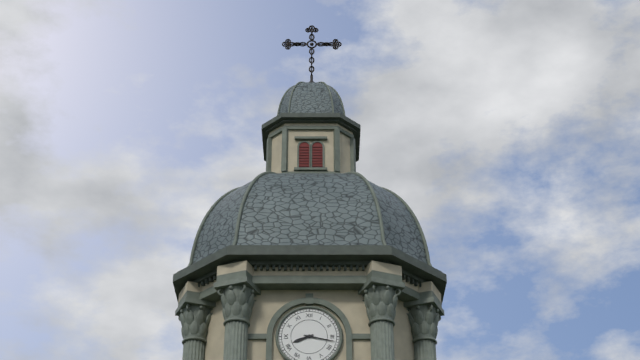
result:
8,17
